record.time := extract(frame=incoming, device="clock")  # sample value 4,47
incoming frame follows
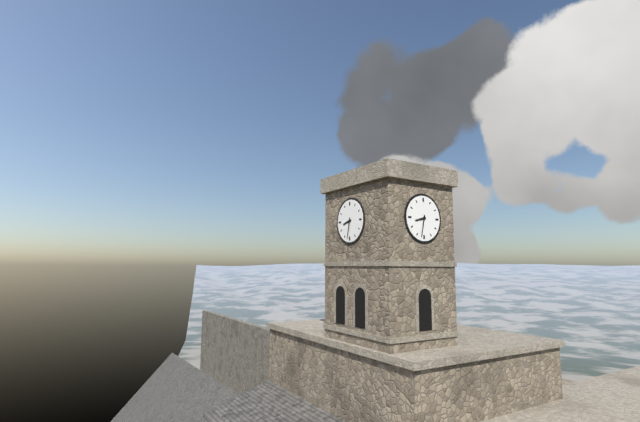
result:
8,32
